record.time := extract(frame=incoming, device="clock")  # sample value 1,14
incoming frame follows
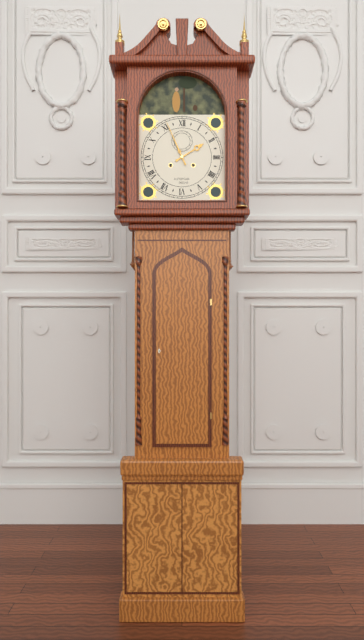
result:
1,56
